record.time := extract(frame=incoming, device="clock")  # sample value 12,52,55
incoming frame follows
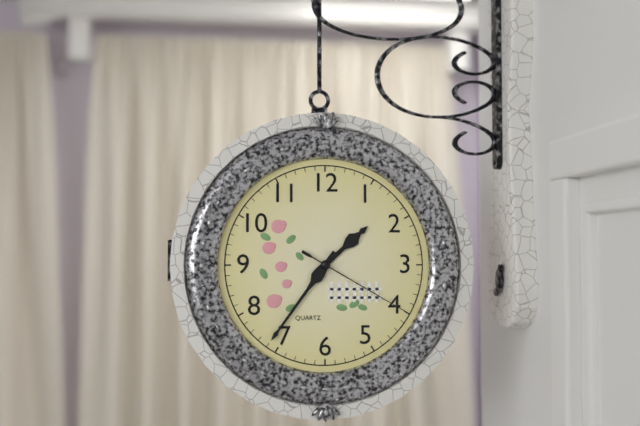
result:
1,36,20
